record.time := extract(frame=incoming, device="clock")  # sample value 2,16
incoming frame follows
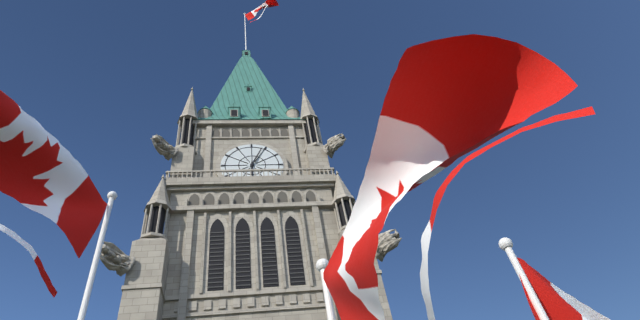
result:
6,04
